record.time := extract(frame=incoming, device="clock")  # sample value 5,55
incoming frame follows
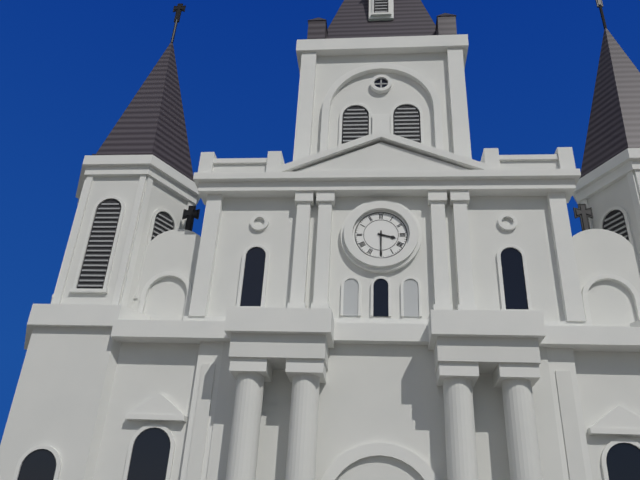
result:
3,30
